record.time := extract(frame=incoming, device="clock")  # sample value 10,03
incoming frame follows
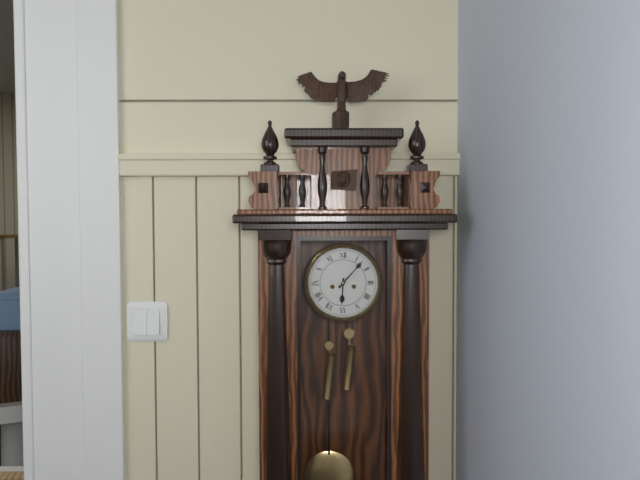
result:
6,07
